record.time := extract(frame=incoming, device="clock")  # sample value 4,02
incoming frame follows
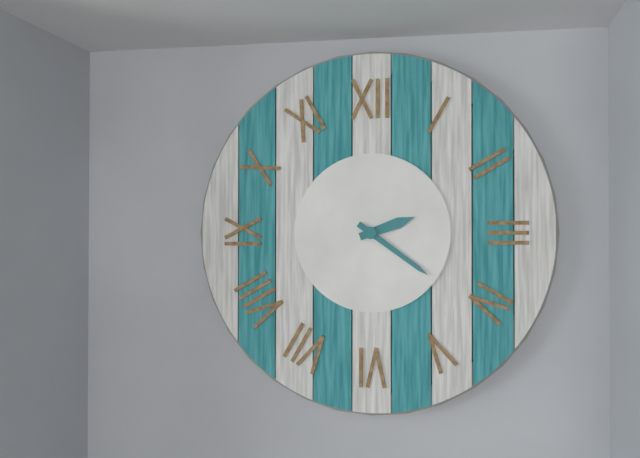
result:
2,21
